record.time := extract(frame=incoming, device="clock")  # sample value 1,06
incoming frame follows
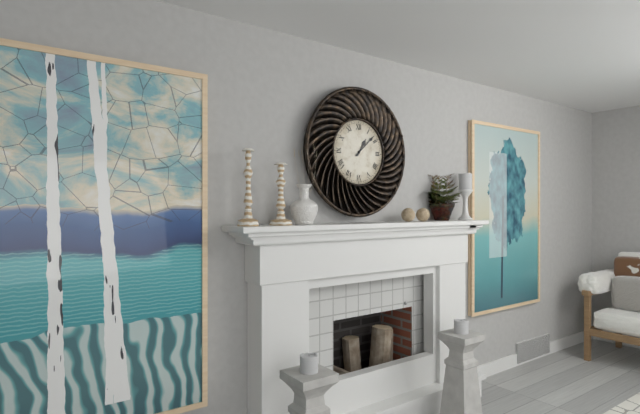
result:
1,08
